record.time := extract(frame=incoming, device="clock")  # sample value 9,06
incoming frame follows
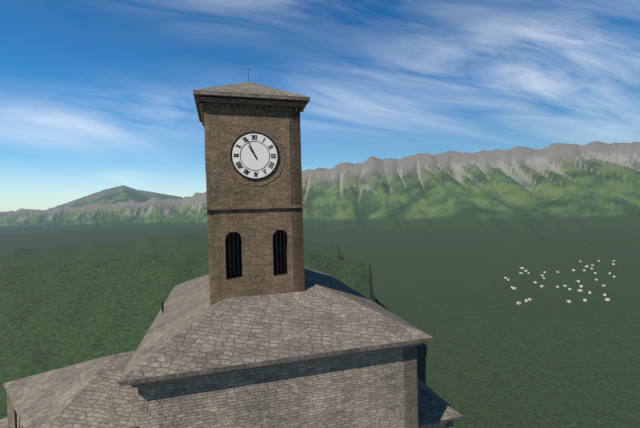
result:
10,56
